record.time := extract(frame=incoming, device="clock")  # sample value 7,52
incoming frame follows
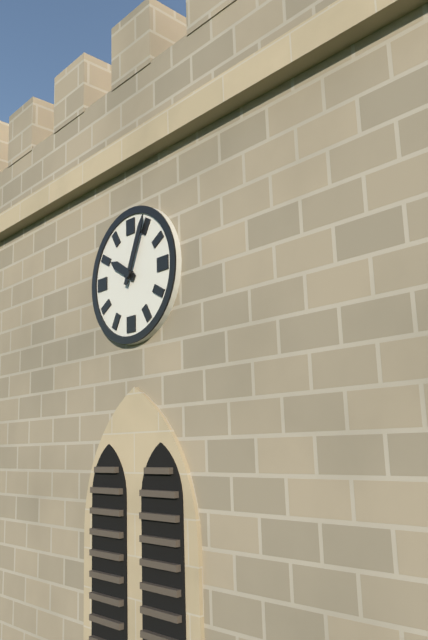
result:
10,04
